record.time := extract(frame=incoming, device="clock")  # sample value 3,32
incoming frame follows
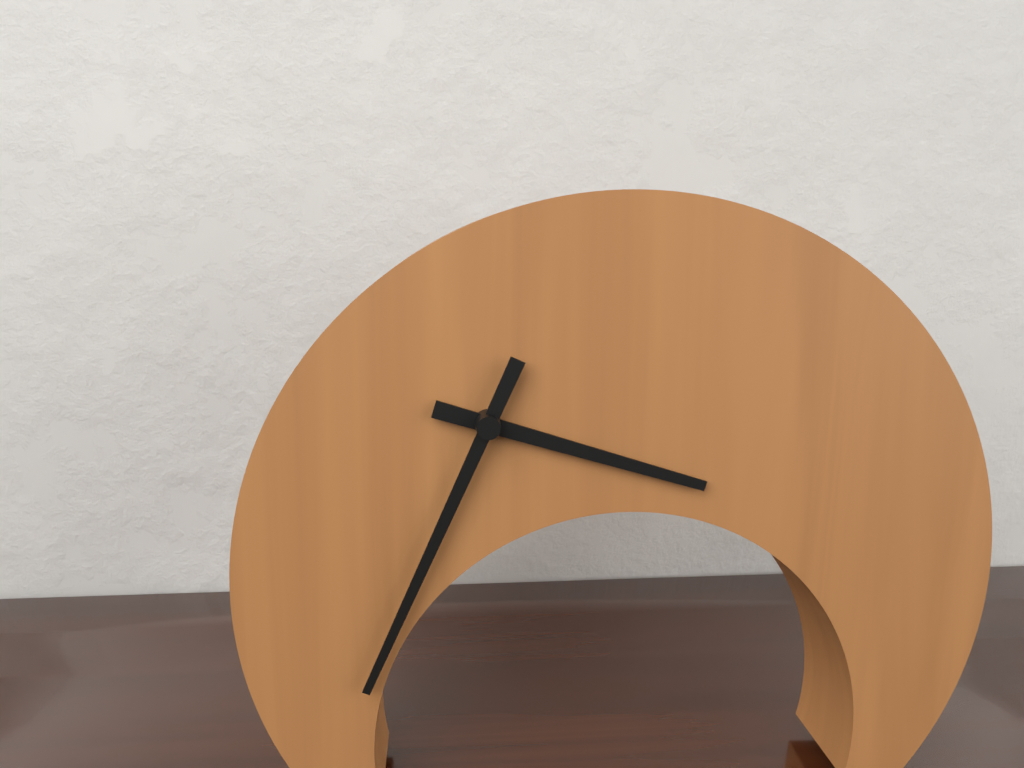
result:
3,34
